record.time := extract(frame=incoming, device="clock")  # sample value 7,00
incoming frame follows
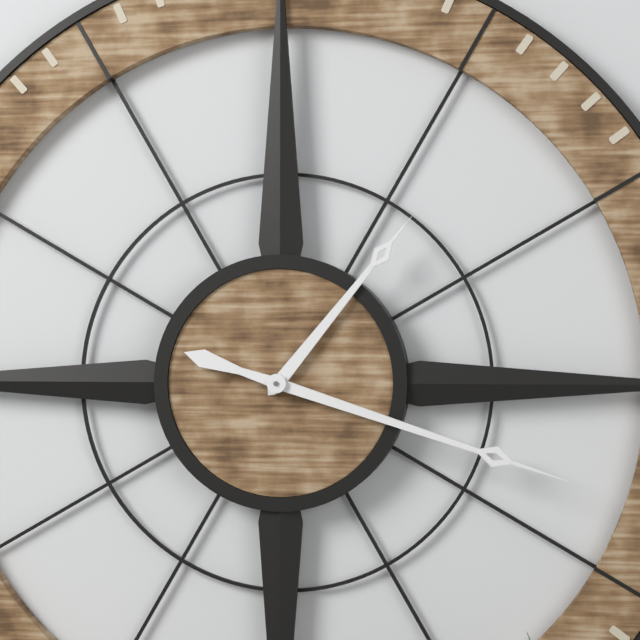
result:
1,18
